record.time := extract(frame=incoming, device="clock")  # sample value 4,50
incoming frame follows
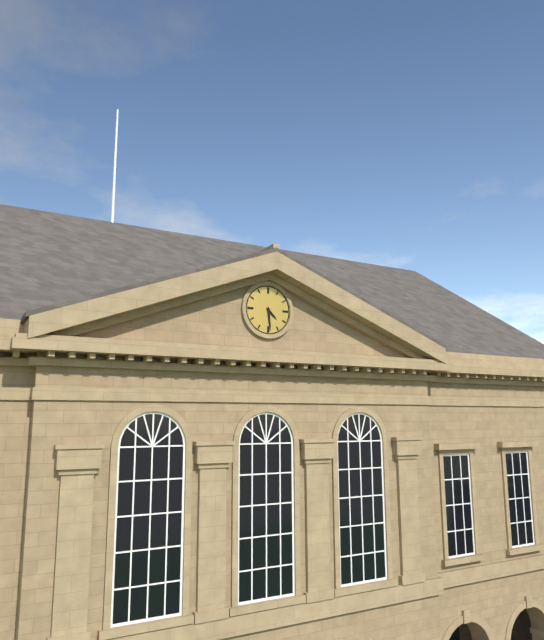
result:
4,29
